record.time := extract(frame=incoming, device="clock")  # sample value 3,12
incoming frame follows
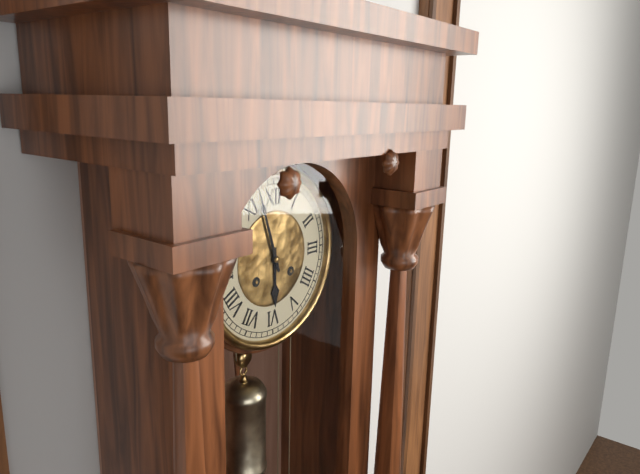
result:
5,57
